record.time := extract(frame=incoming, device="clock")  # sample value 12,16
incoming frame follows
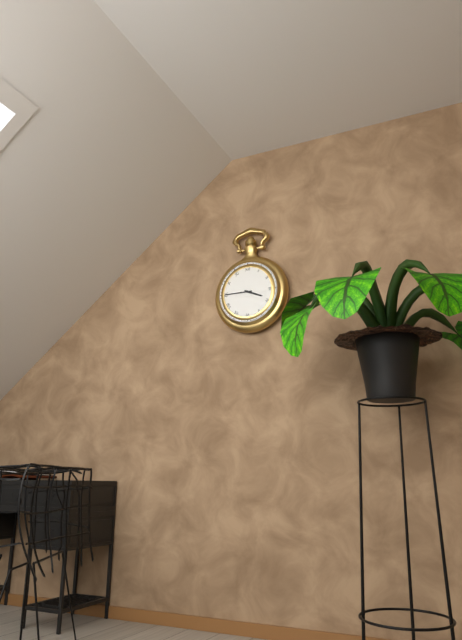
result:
3,45
